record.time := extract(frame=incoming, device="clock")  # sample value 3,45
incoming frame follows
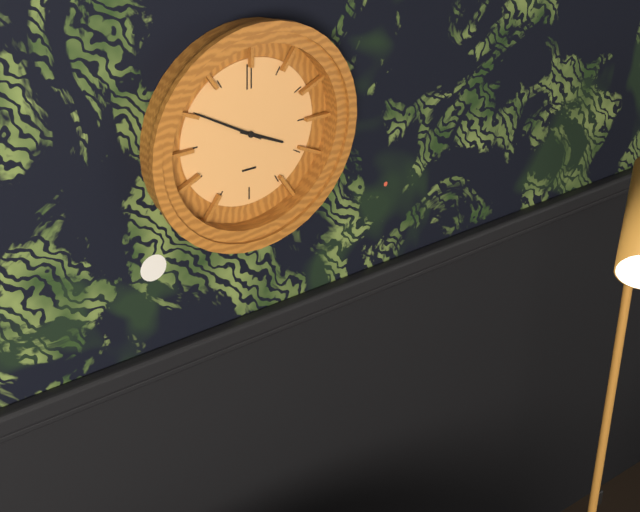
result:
3,50
